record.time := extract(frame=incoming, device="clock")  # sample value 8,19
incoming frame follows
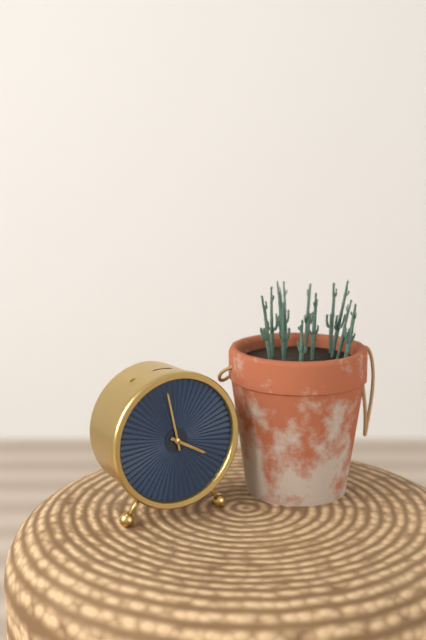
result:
3,58
